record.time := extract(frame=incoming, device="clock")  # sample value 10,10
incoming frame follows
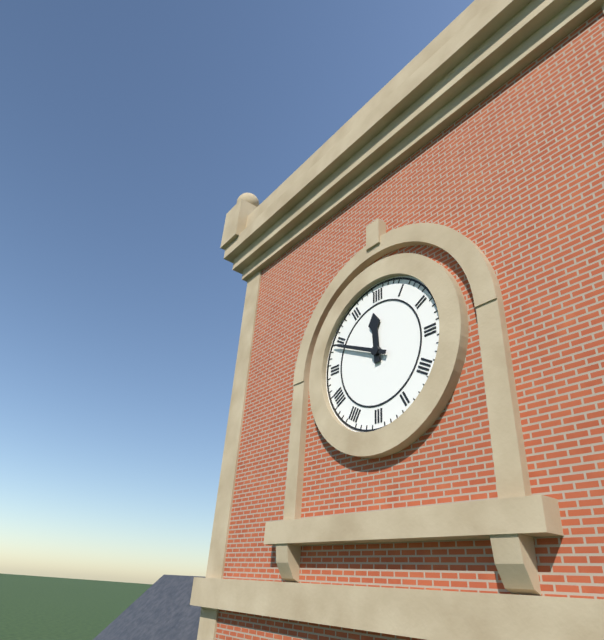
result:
11,49
